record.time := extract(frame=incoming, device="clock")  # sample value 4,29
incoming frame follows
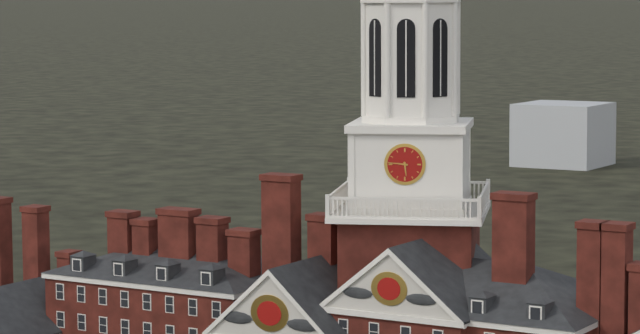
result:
5,46
